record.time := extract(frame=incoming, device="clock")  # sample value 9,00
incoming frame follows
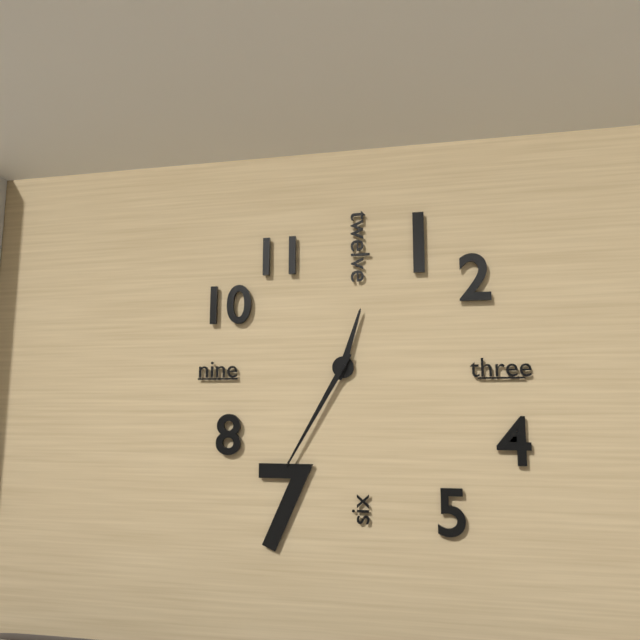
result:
12,35
